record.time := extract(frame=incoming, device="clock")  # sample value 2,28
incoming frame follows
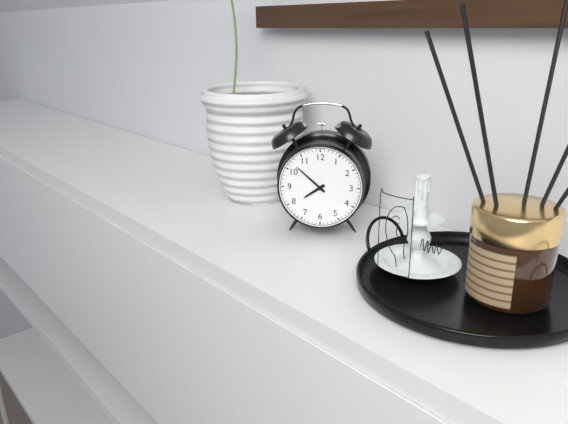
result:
7,52
